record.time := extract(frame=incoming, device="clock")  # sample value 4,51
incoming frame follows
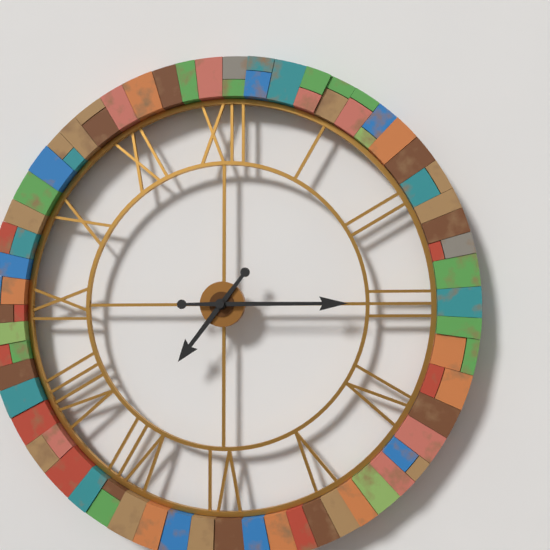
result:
7,15
